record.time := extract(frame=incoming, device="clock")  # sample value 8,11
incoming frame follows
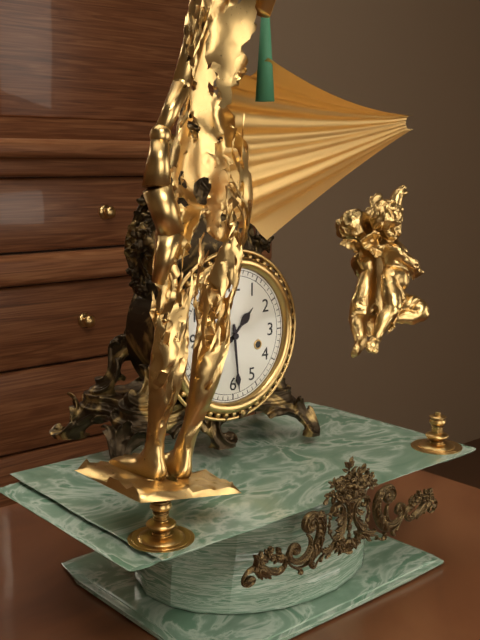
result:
1,29
